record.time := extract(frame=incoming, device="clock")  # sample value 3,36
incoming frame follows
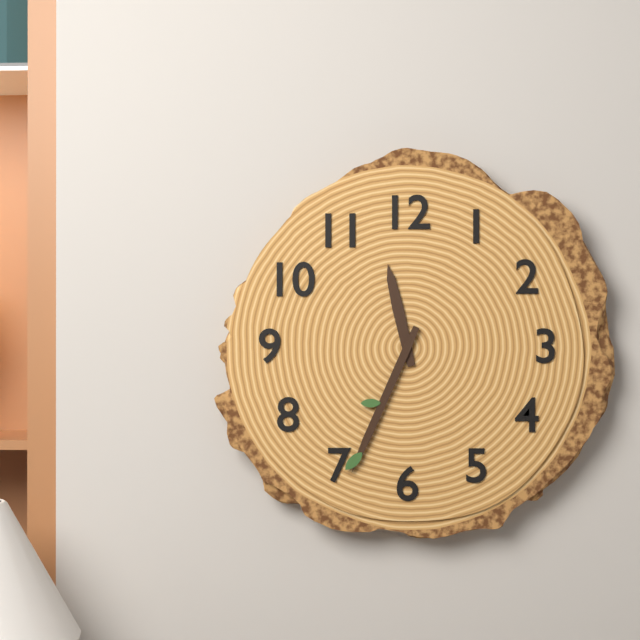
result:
11,34
